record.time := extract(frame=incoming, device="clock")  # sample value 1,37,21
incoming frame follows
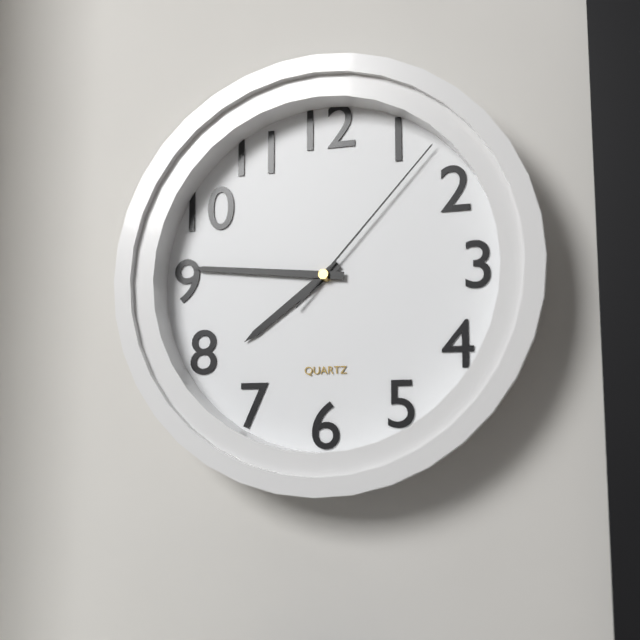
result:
7,46,07
